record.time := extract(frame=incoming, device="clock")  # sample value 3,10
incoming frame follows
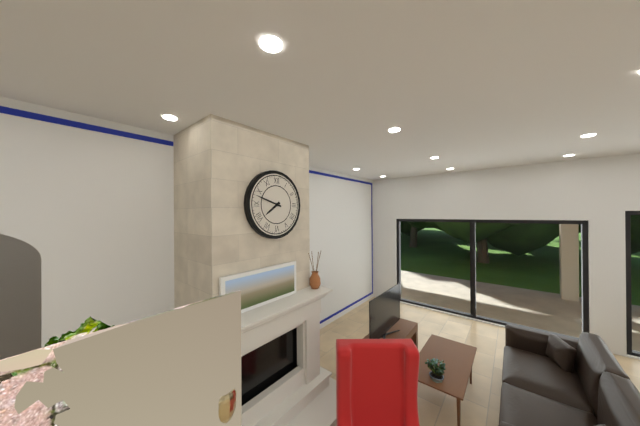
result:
7,48
